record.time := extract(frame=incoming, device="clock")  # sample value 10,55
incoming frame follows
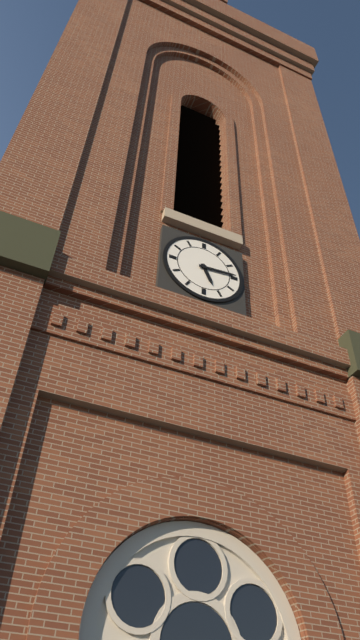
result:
5,14
